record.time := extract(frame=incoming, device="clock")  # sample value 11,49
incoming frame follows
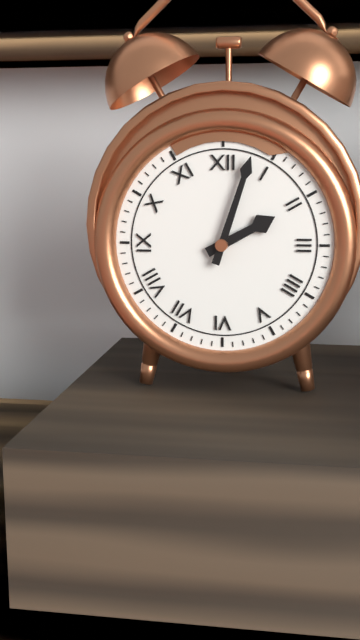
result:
2,03
